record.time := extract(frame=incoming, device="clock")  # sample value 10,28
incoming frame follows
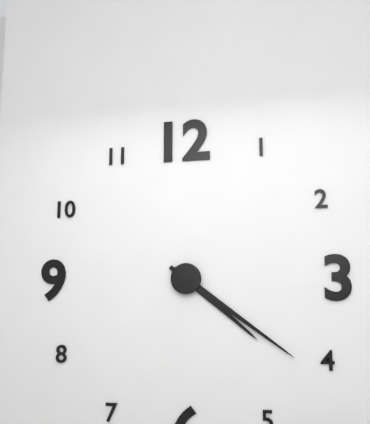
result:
4,21
